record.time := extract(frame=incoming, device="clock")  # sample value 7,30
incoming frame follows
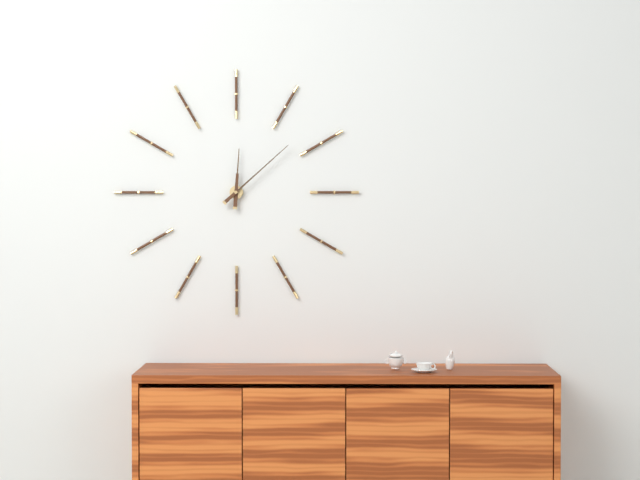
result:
12,08
